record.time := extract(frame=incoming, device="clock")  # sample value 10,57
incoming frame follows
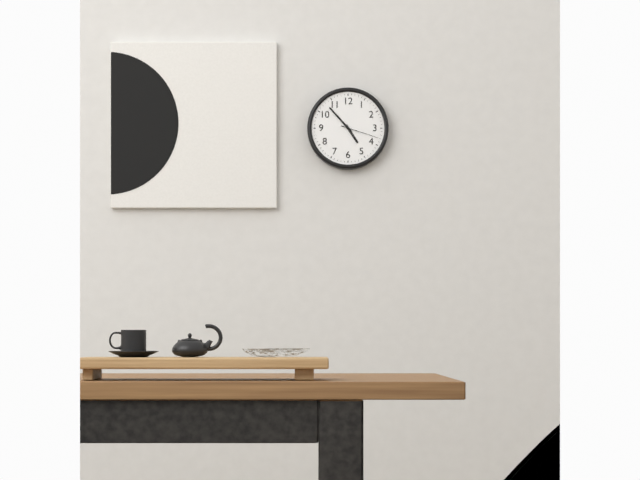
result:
4,53
